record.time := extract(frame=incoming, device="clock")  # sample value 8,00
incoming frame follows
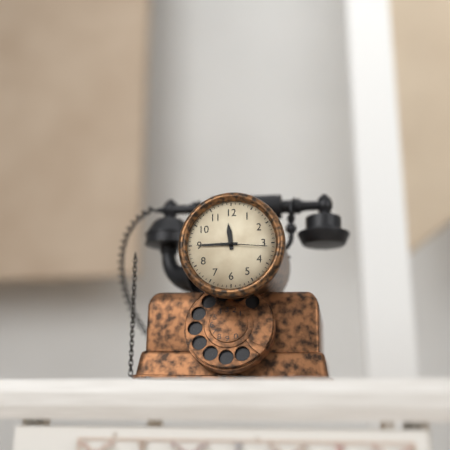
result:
11,45
